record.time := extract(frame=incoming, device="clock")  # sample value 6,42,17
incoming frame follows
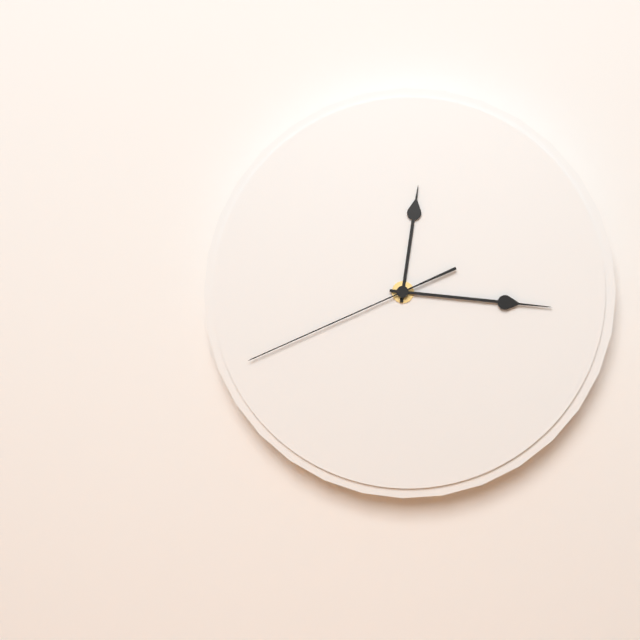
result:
12,16,41
